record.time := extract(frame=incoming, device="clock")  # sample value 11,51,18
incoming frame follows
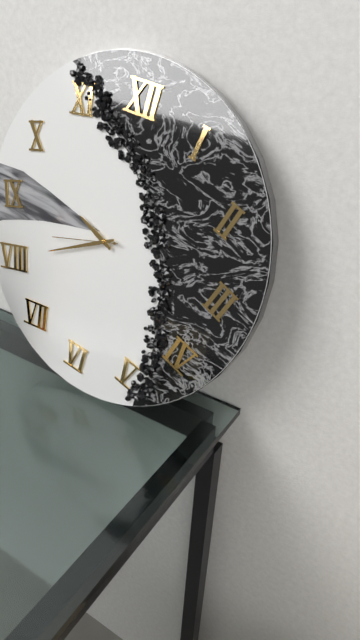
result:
9,40,42
